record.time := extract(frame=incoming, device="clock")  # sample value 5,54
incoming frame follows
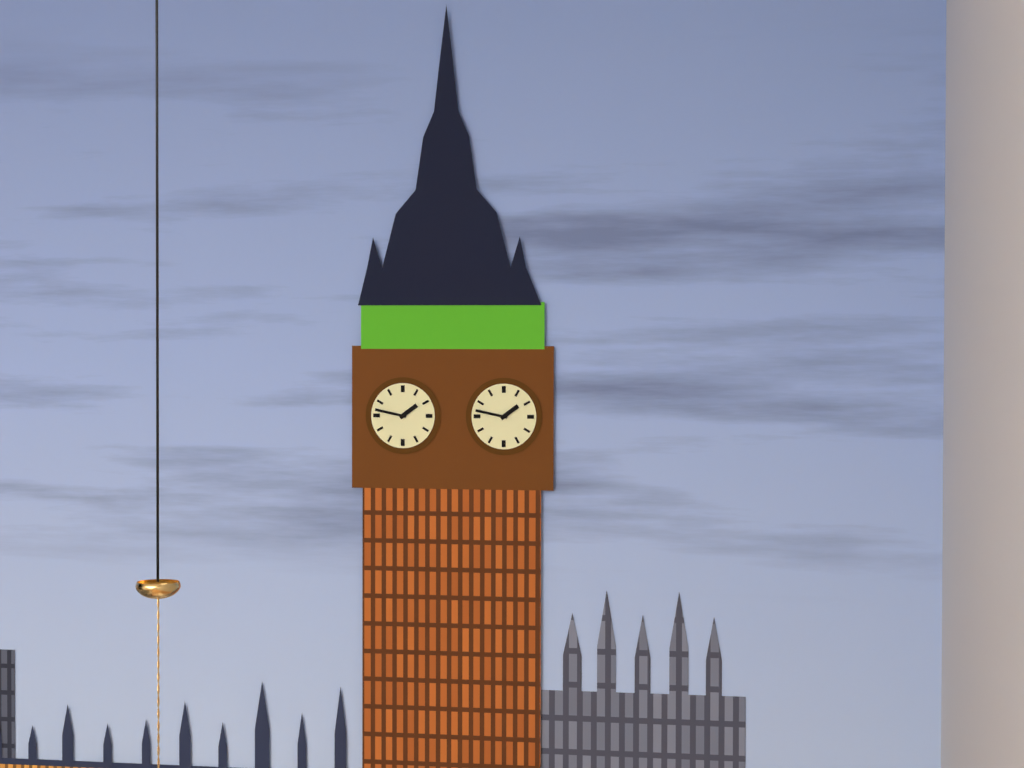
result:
1,47
